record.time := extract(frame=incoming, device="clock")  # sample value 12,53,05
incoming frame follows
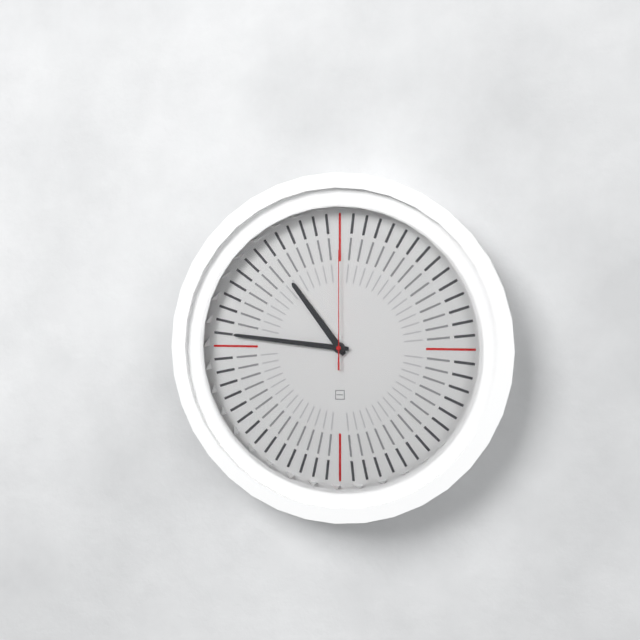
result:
10,46,00
